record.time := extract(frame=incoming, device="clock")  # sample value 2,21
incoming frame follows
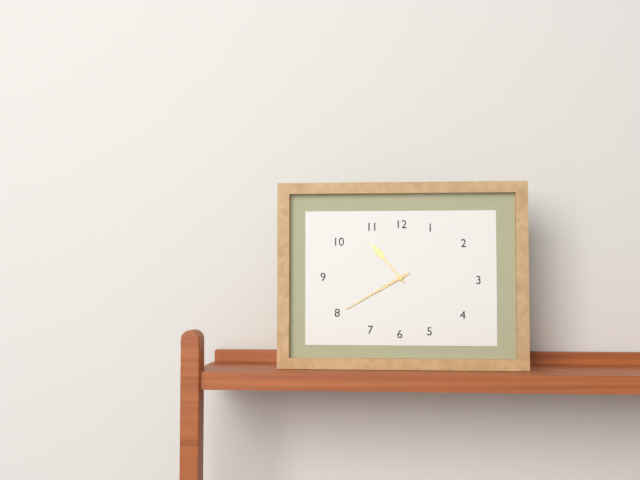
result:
10,40
